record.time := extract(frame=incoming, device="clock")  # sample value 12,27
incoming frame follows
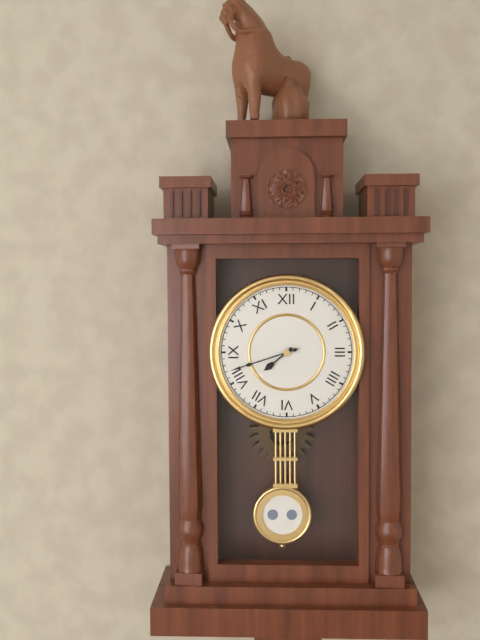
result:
7,42
